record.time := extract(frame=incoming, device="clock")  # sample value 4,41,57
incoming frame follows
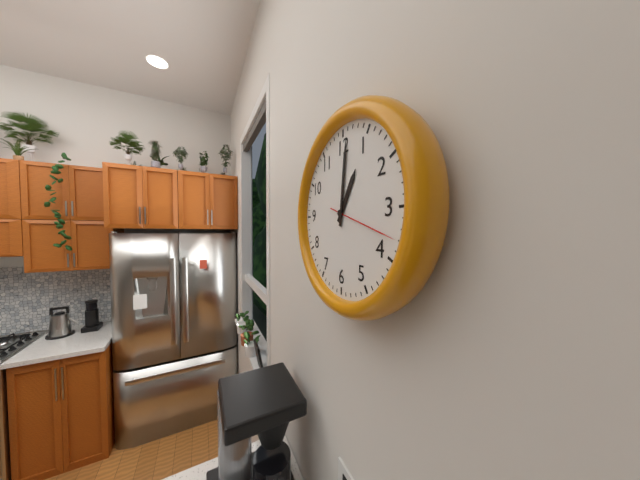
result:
1,01,18
